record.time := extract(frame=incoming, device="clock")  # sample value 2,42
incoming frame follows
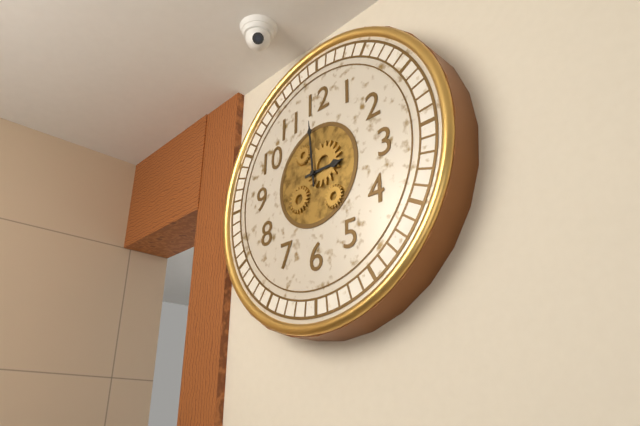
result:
2,59
